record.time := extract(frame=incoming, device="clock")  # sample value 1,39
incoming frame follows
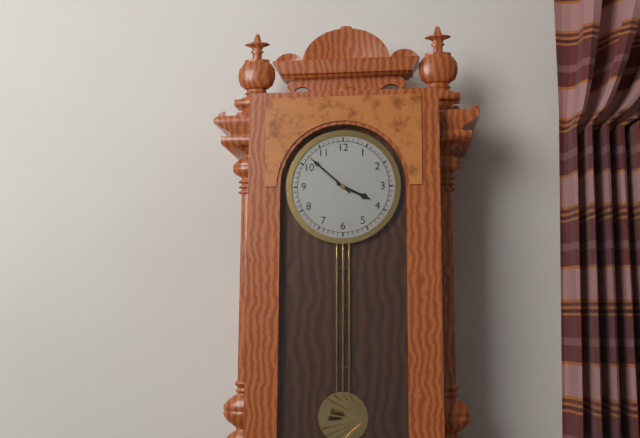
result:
3,52
